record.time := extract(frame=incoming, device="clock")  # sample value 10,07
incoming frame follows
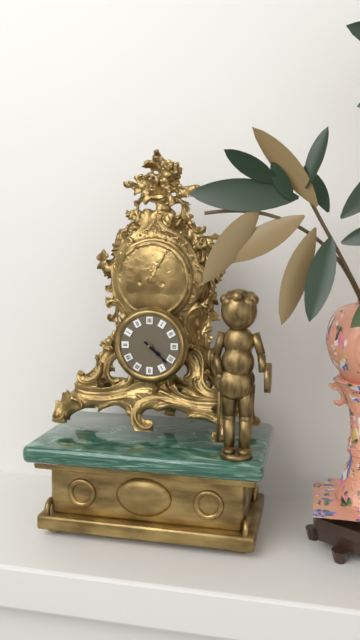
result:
4,22
